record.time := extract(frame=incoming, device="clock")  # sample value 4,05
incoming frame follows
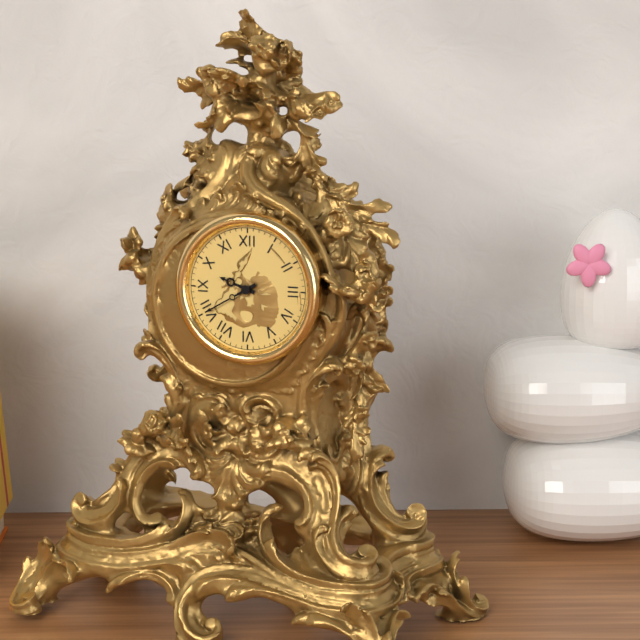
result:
9,40
